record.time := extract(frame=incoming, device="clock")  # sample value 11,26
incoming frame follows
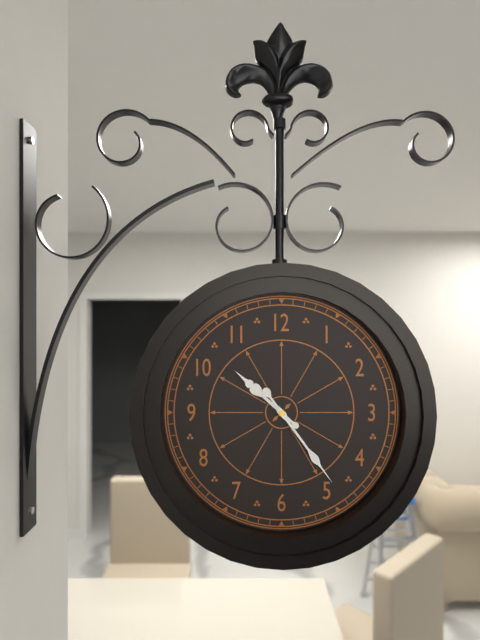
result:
10,24
